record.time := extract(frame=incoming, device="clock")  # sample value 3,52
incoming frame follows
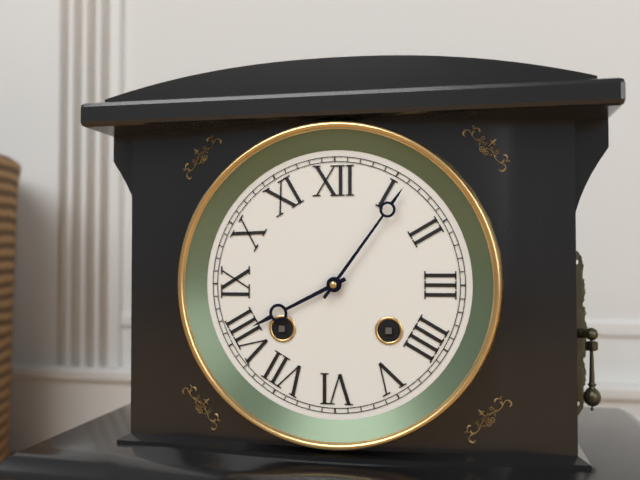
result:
8,06
